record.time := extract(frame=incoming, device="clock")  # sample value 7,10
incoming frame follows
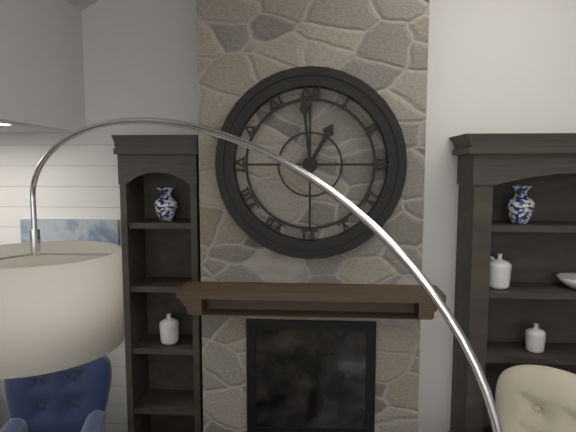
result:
12,59
